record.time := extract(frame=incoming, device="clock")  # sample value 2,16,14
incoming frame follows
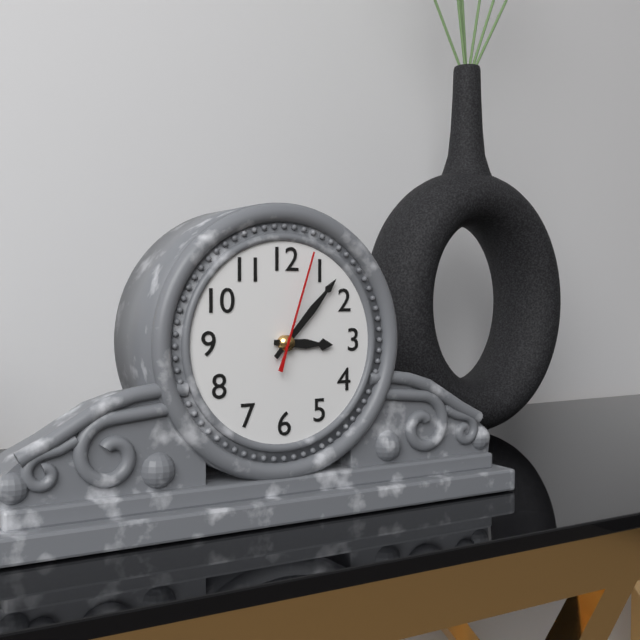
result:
3,07,03
